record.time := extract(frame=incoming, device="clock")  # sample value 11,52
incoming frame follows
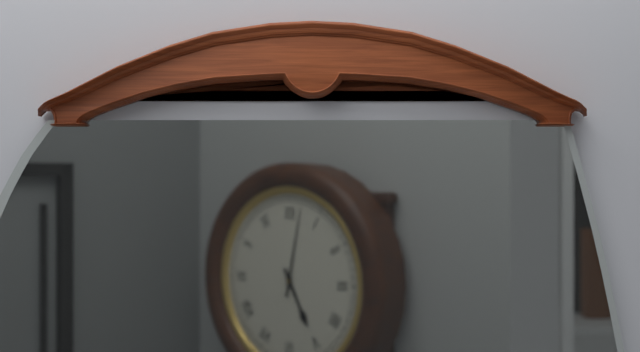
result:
5,02
